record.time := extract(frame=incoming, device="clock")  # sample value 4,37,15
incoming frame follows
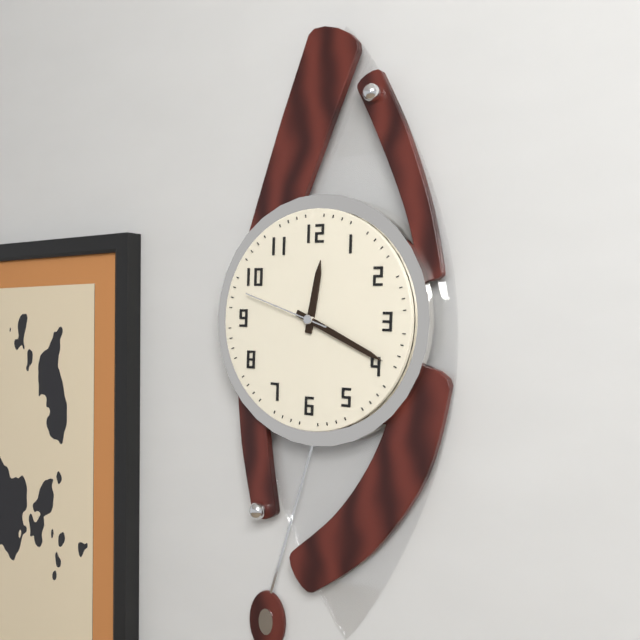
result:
12,19,48
